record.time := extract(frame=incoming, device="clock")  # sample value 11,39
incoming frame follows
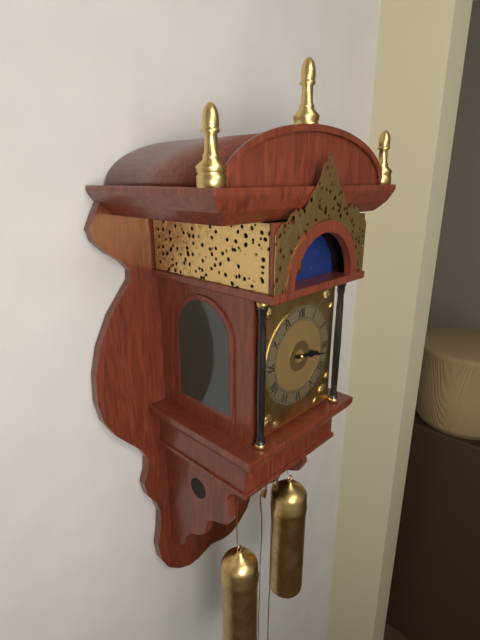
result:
3,17
